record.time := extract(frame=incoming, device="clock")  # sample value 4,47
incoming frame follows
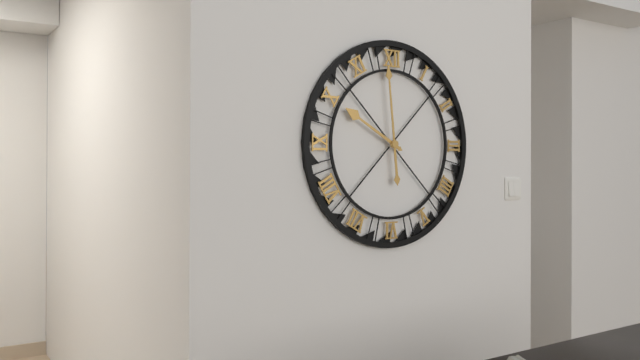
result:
9,59
